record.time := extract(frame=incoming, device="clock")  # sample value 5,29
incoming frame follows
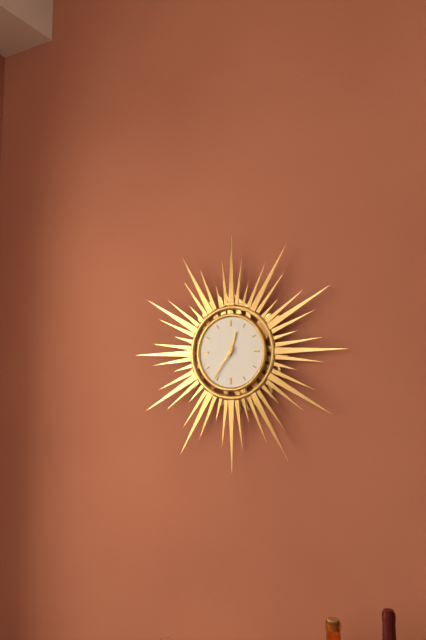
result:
12,36
